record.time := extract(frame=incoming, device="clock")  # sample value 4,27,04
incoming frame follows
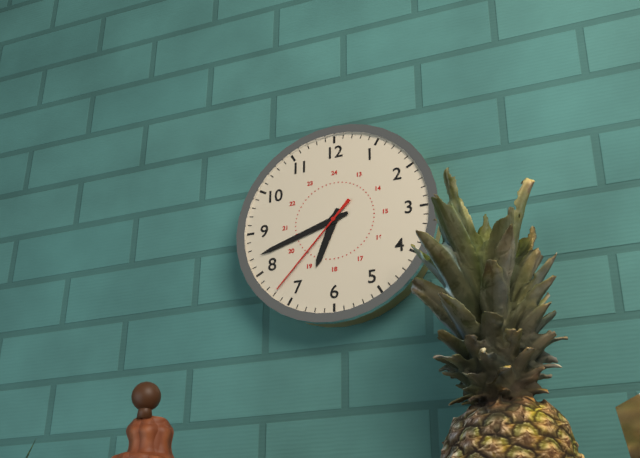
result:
6,42,37
